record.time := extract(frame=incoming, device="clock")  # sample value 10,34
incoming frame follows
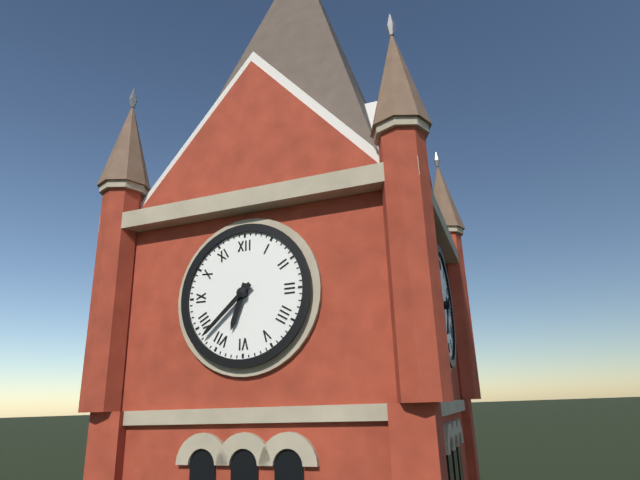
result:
6,38
